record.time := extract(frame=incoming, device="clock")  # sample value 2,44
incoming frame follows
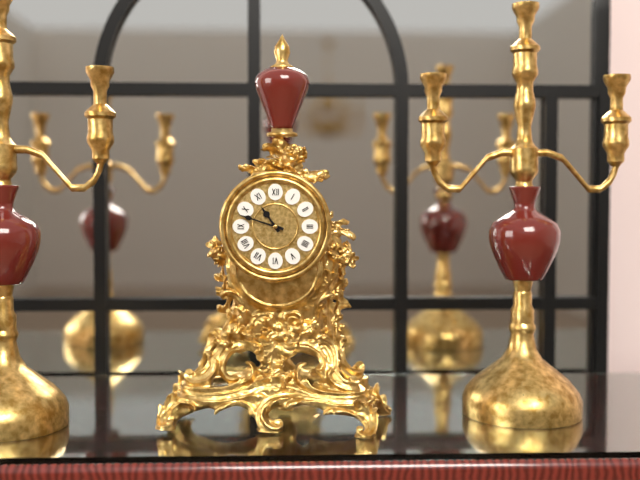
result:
10,48
